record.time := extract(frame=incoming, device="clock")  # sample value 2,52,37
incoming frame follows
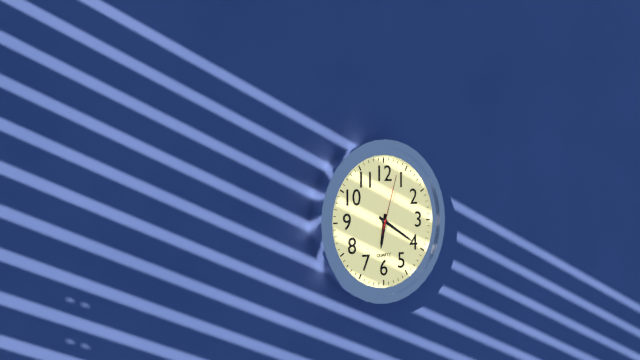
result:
6,20,03
